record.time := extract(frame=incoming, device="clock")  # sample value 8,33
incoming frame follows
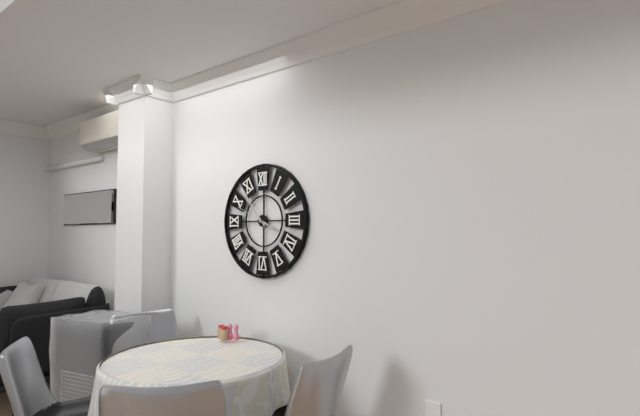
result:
3,53
